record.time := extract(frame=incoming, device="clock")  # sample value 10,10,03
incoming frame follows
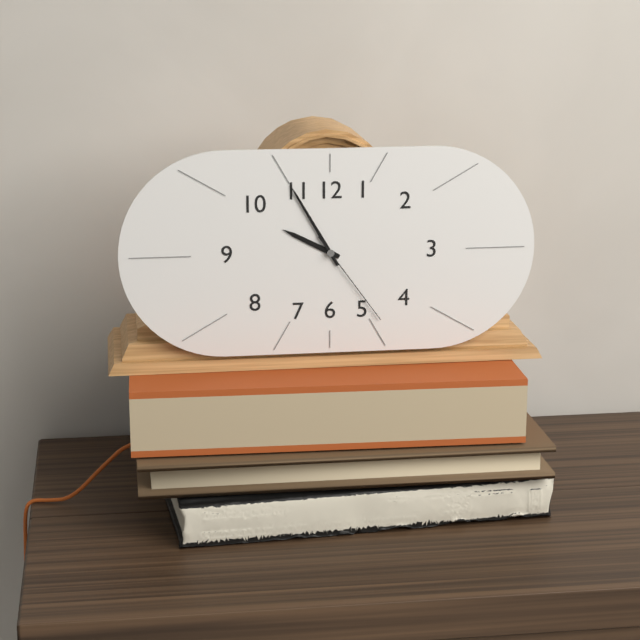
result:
9,55,24
